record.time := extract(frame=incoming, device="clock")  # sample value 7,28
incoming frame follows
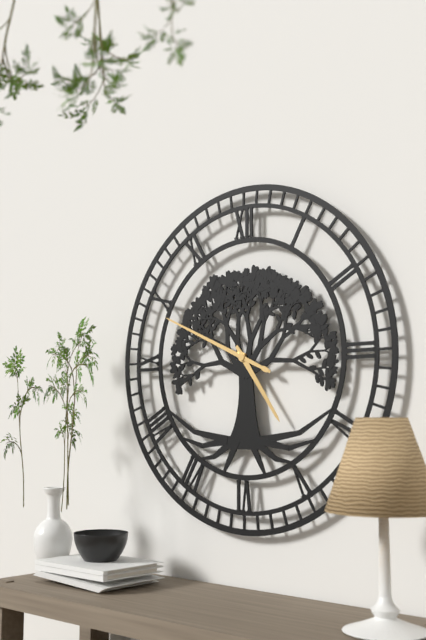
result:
4,49
